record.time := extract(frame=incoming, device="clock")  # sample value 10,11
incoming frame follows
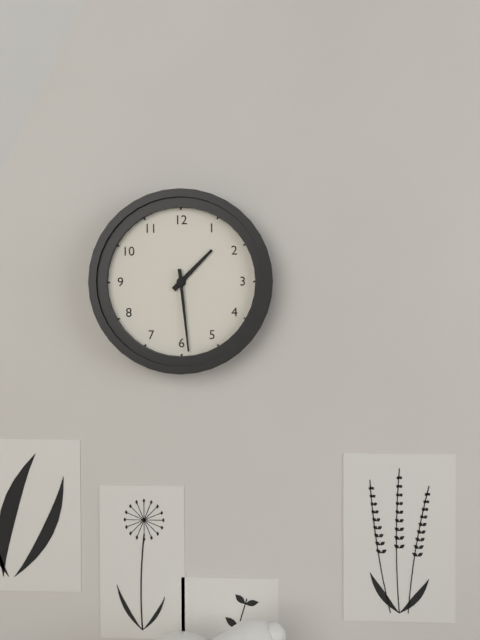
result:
1,29
